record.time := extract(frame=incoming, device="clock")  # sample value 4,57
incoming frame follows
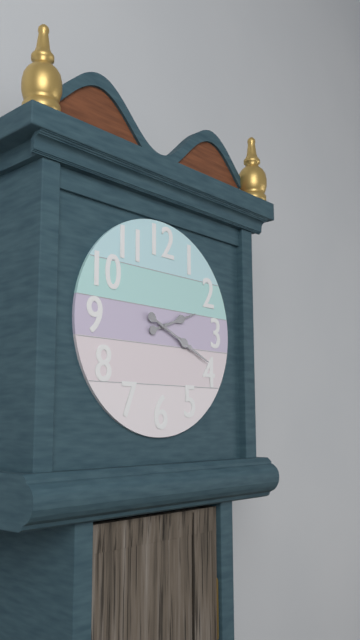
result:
2,19
